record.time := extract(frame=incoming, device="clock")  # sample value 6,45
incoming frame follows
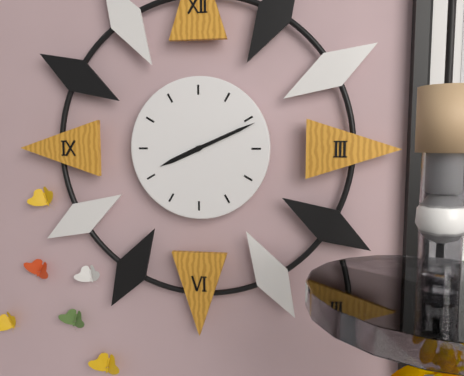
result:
8,11
